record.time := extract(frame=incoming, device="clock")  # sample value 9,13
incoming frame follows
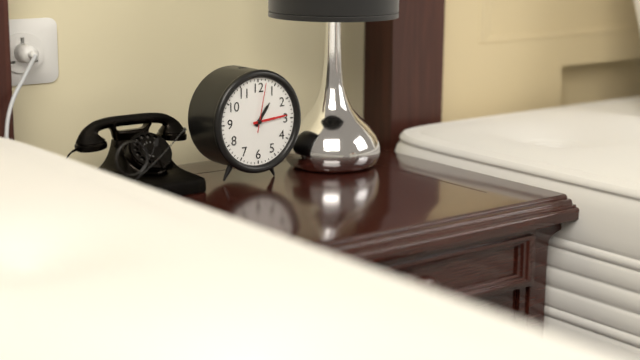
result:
1,14
